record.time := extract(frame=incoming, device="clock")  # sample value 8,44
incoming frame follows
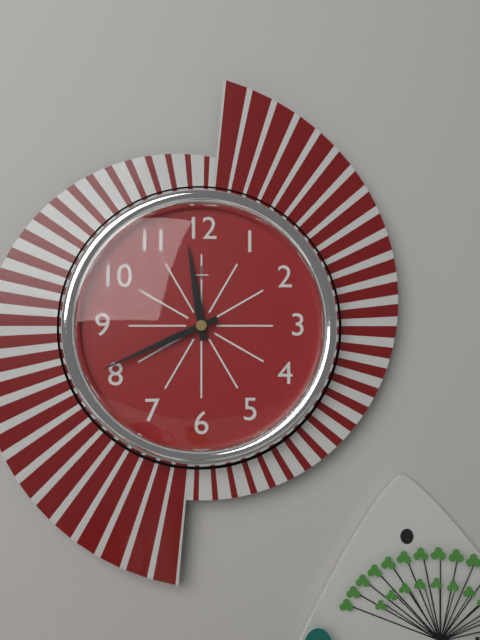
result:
11,41
